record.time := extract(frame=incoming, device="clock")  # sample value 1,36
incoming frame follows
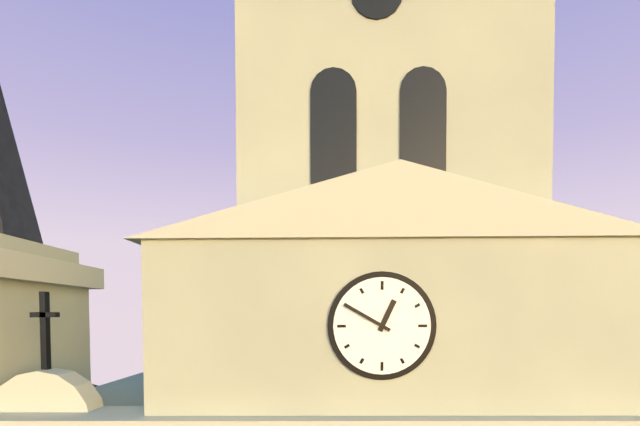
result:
12,50
